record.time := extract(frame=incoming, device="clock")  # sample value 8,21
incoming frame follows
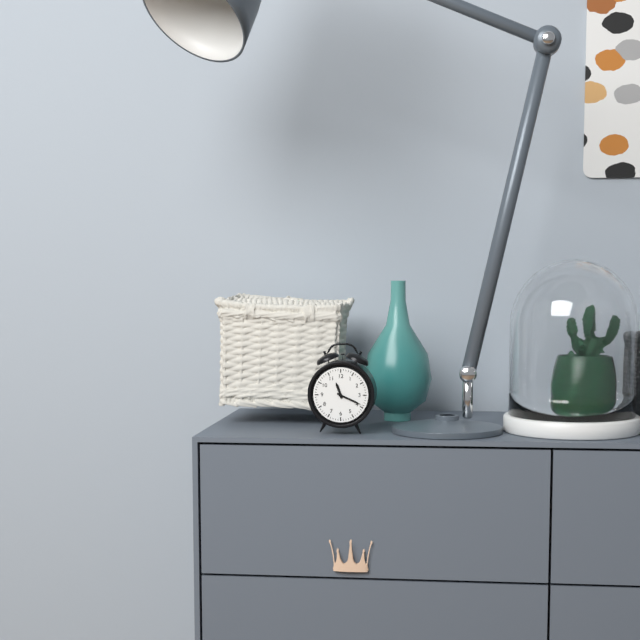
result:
11,19
